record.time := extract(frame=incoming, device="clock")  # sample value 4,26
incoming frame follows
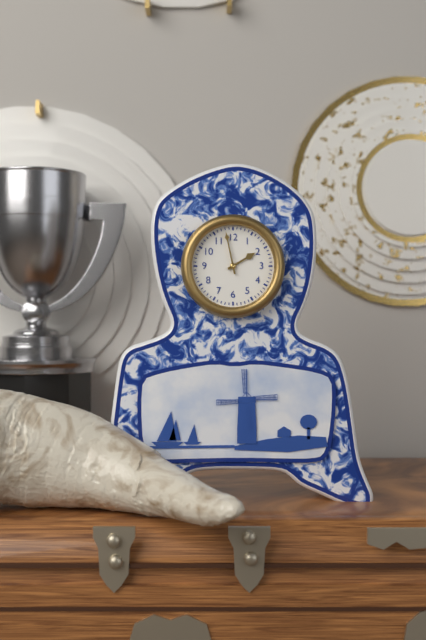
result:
1,58
